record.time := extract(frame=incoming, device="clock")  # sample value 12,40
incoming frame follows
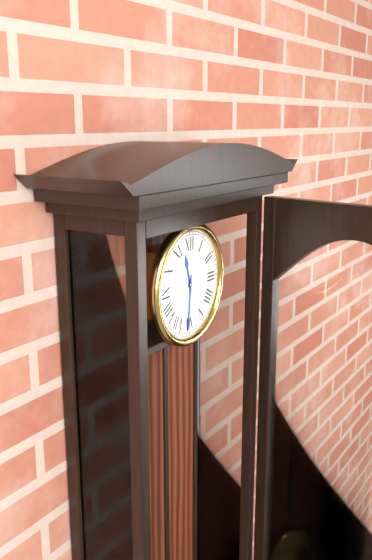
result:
11,31
